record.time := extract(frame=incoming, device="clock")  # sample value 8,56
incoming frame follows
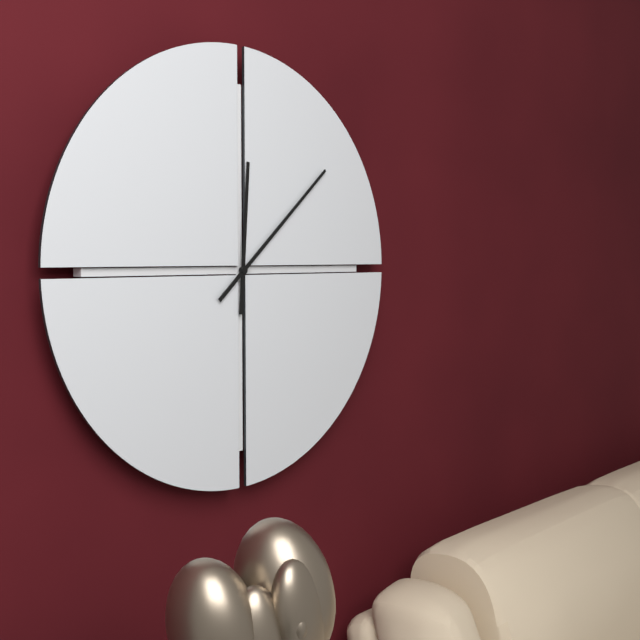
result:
12,08
